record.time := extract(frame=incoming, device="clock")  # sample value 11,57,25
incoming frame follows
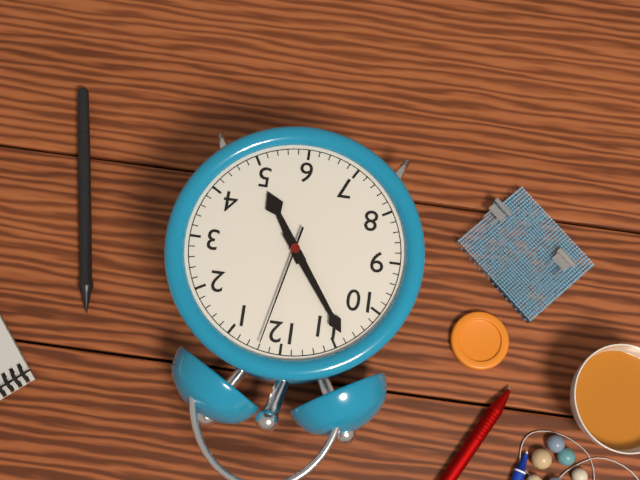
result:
4,54,02
